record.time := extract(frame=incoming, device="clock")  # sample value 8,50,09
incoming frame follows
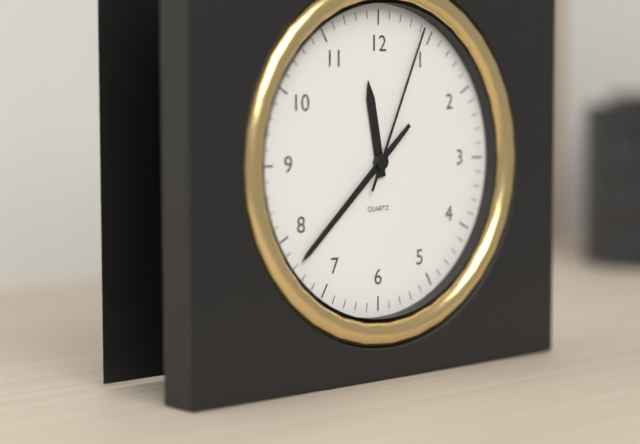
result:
11,38,04
